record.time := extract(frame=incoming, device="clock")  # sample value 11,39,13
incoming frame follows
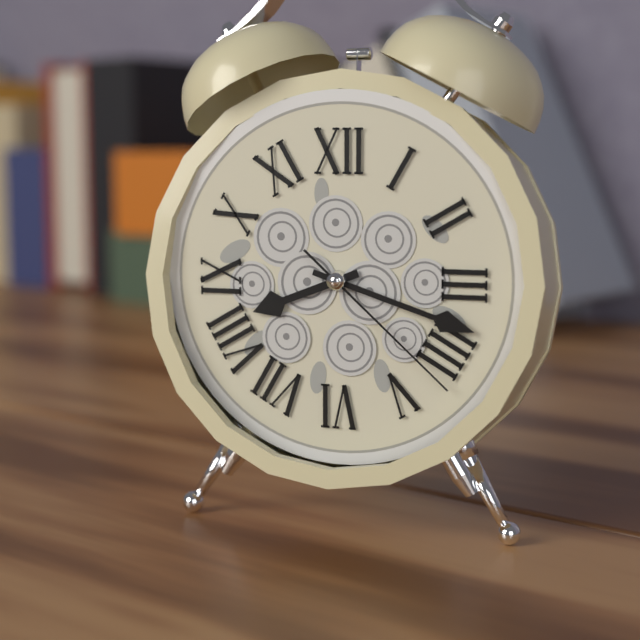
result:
8,18,22
